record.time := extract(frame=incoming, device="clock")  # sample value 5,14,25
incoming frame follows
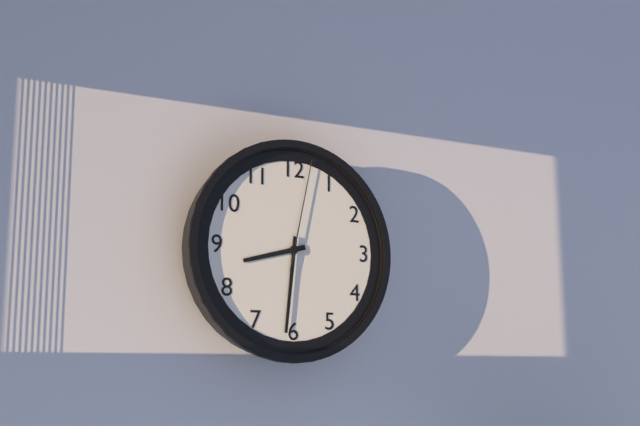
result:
8,31,02
